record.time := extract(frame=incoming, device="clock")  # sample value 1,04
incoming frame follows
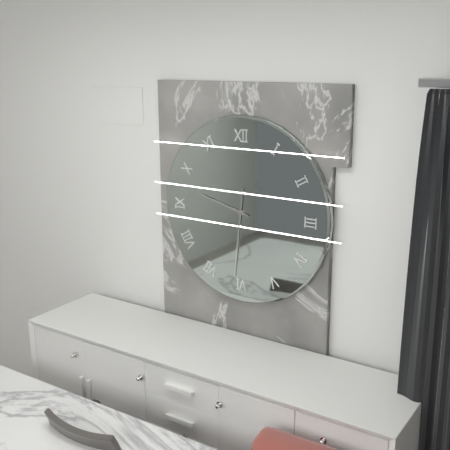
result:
9,31
